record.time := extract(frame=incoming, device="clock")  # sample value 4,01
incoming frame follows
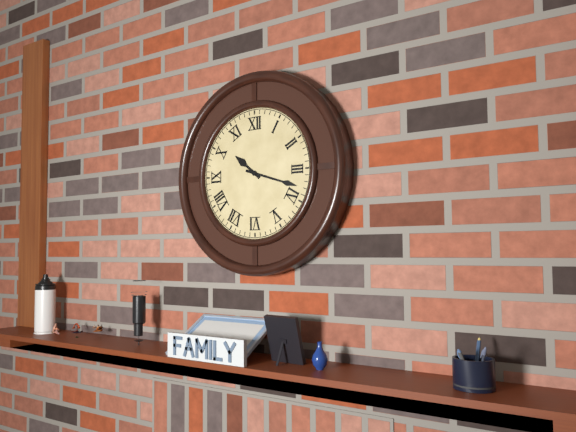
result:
10,18
